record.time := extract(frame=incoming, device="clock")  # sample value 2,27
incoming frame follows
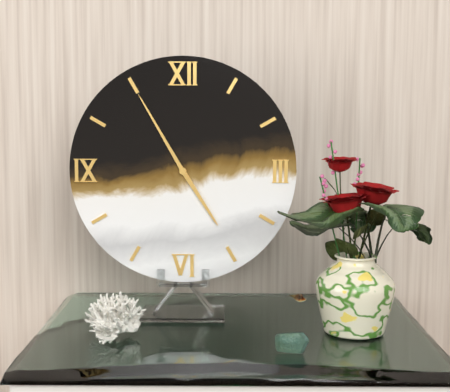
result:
4,55
